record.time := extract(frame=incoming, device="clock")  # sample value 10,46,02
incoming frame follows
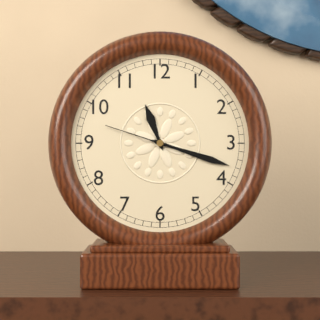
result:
11,18,48
